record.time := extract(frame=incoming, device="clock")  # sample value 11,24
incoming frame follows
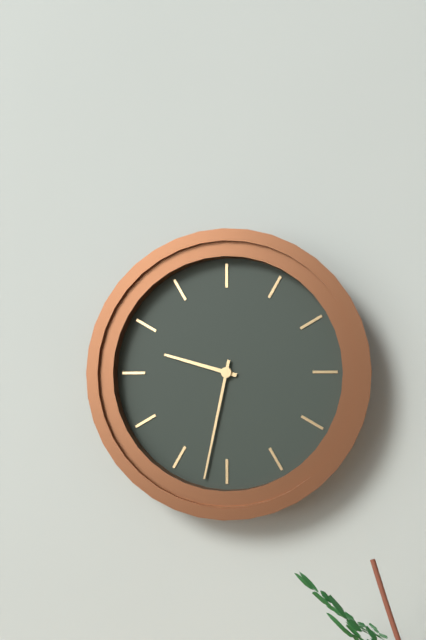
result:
9,32
